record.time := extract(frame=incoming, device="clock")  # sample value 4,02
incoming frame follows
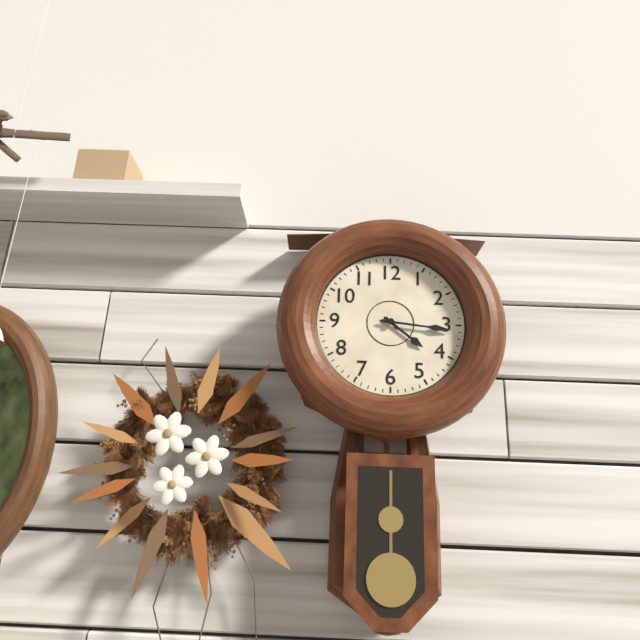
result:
4,16
